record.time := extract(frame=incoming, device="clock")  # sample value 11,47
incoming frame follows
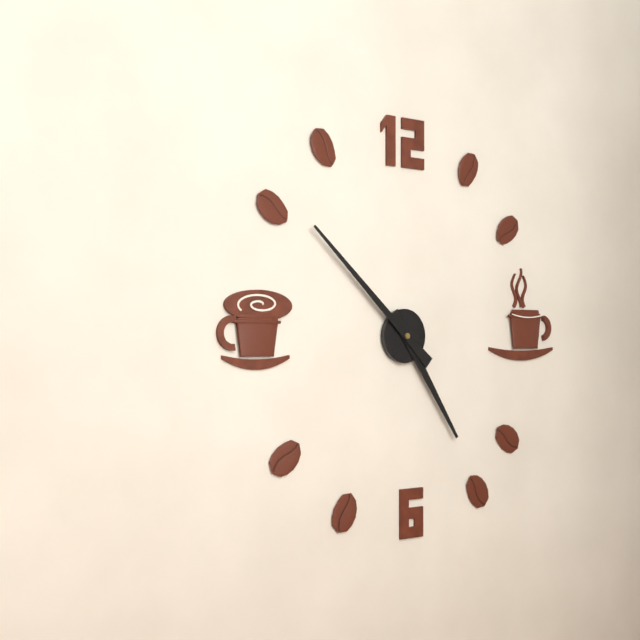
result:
4,52
